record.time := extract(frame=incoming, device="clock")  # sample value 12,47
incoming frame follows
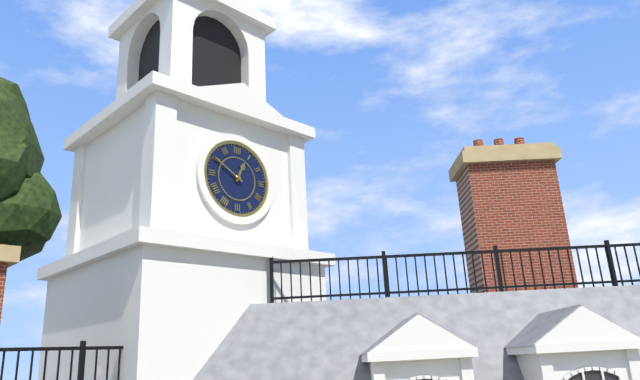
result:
12,50
